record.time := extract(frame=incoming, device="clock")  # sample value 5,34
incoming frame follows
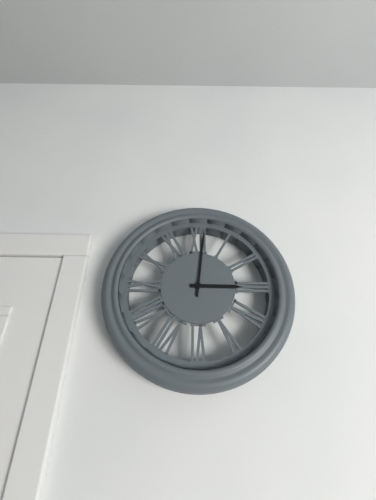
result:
3,01
